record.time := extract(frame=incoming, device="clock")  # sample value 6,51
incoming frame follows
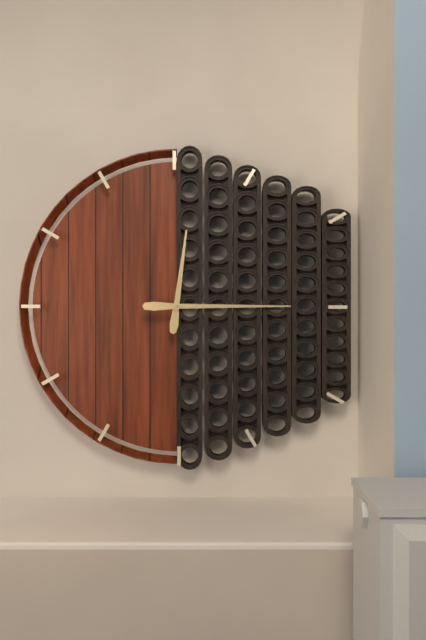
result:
12,15
